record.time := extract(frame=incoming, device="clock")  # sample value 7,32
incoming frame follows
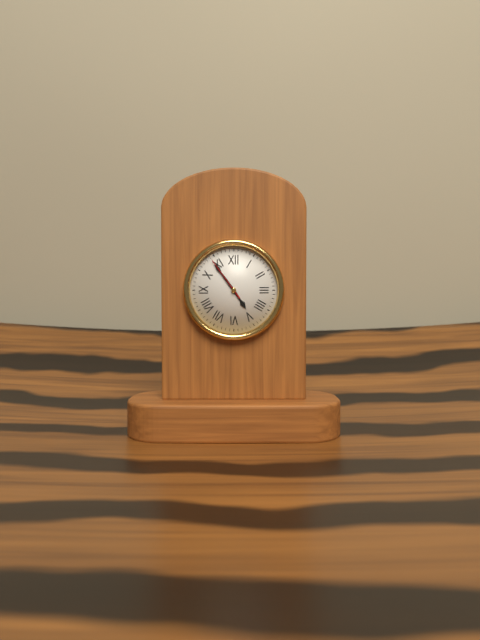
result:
4,54
